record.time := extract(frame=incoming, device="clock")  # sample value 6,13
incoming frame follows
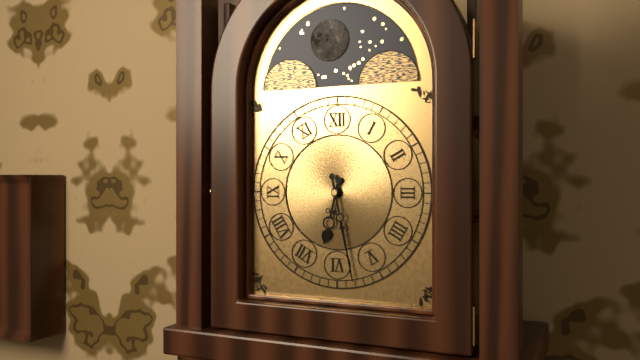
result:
6,28
